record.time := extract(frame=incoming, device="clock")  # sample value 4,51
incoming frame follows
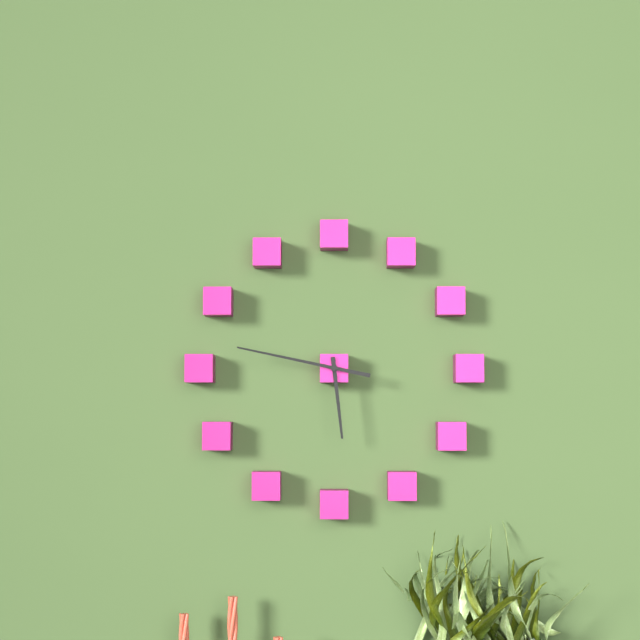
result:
5,47
